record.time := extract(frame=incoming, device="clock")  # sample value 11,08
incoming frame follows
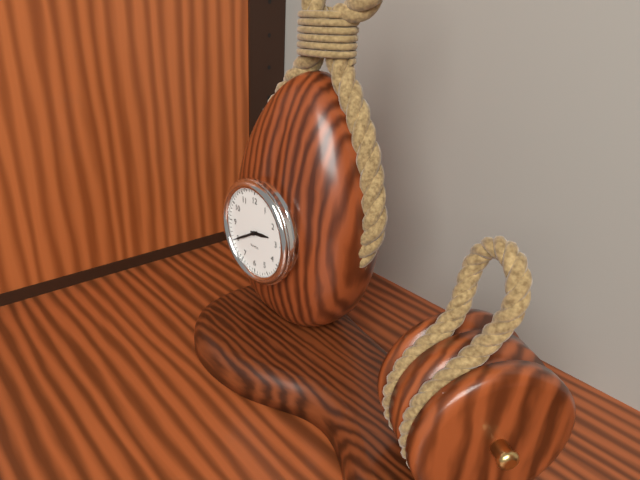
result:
2,40
